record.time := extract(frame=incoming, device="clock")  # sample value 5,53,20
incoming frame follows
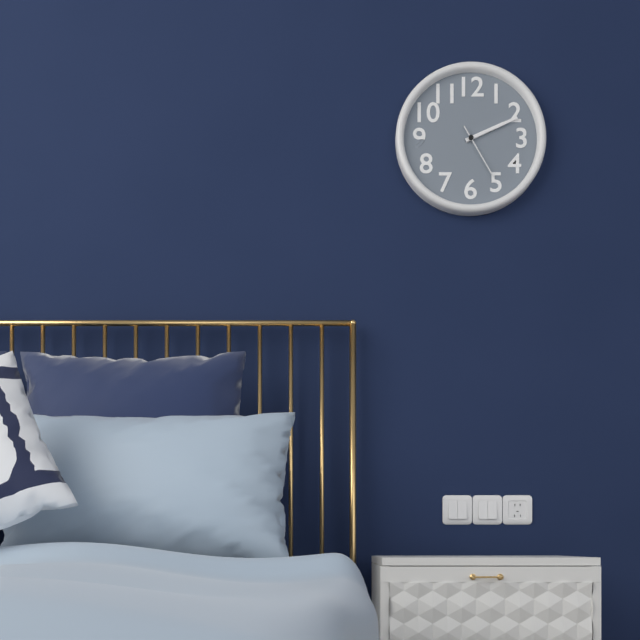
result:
2,11,25
